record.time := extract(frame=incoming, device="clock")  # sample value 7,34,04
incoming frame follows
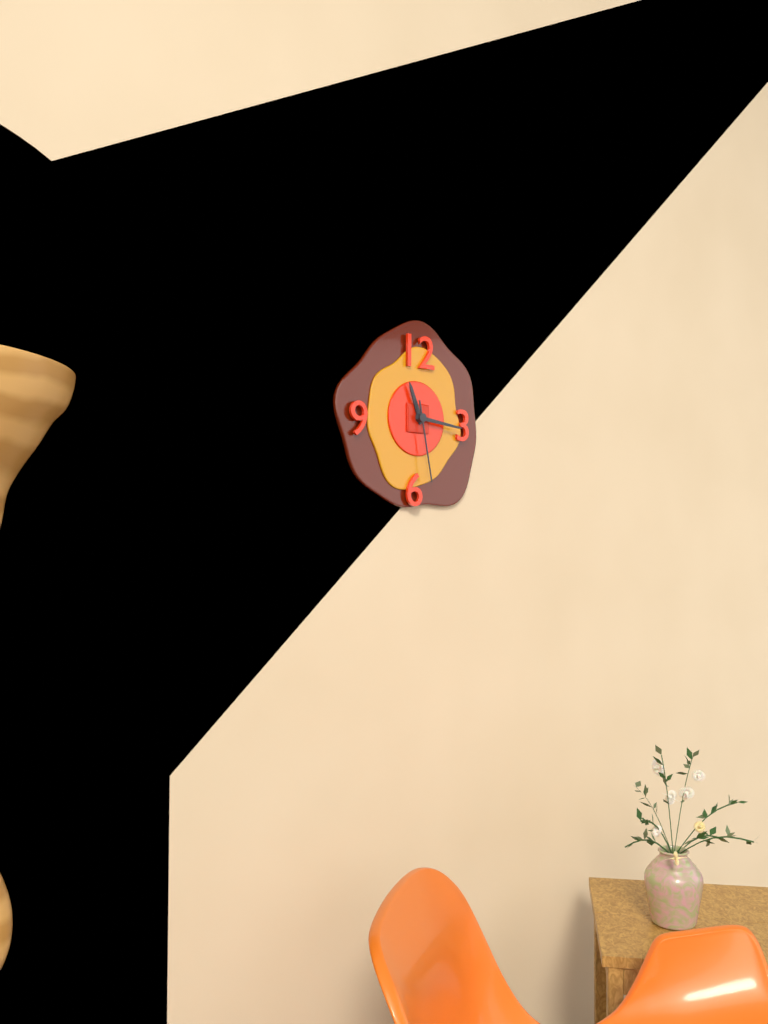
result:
11,16,28
